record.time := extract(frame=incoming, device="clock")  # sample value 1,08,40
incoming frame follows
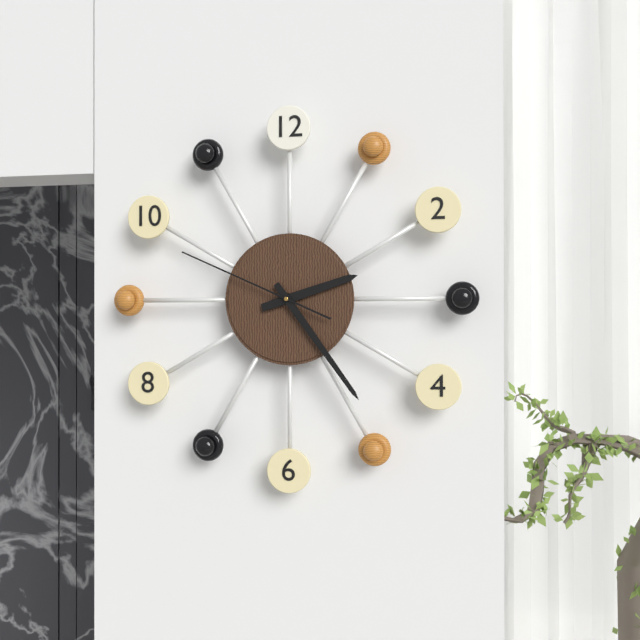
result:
2,24,49
